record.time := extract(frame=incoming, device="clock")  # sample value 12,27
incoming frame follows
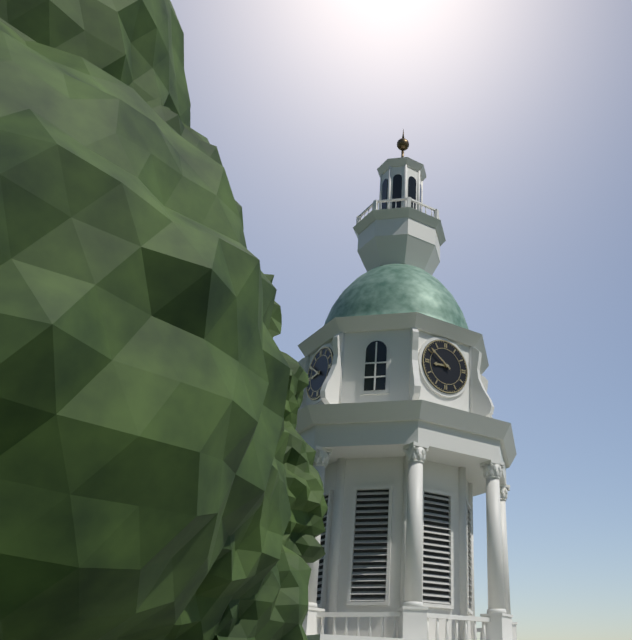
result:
8,51
